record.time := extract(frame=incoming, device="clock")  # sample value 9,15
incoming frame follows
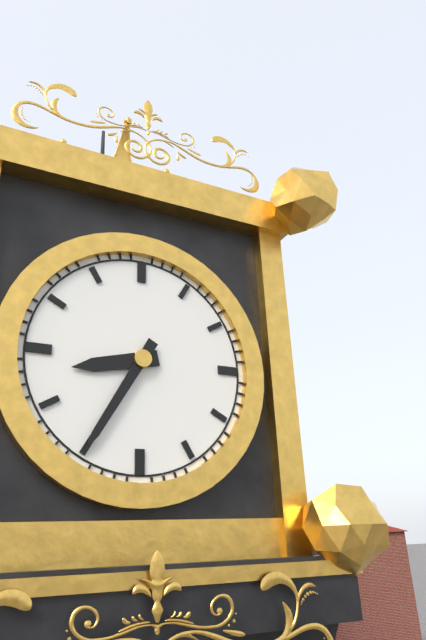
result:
8,35
